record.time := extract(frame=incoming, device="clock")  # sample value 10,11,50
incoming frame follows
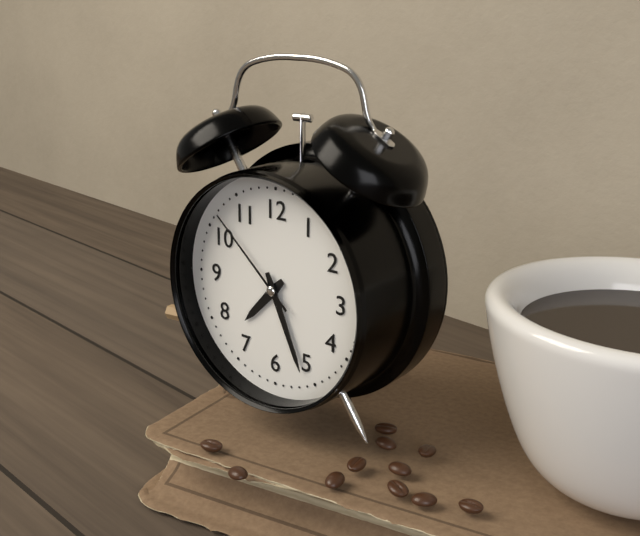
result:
7,26,52
